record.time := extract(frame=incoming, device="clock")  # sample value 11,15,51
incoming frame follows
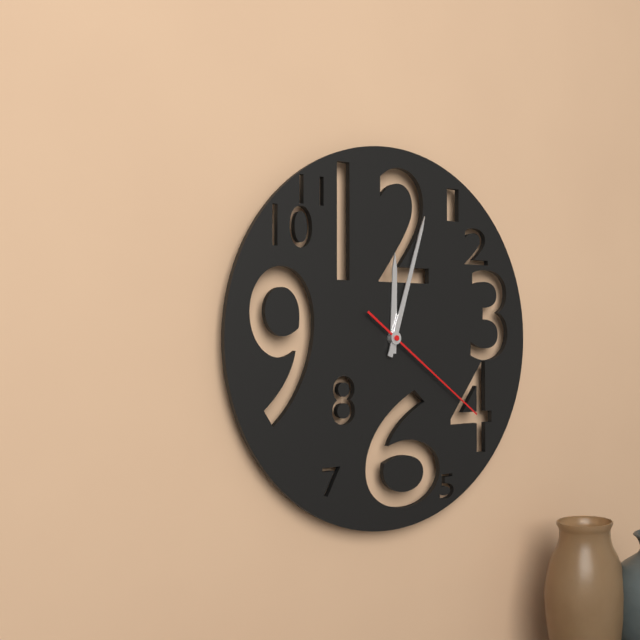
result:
12,03,21
